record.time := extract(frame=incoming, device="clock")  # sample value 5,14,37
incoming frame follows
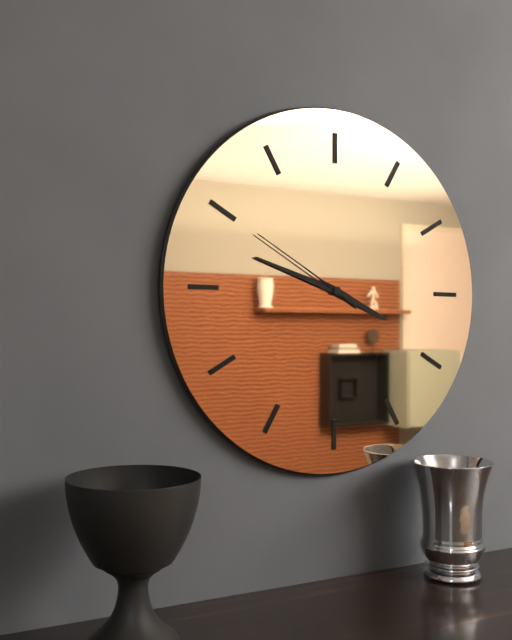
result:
3,48,50
